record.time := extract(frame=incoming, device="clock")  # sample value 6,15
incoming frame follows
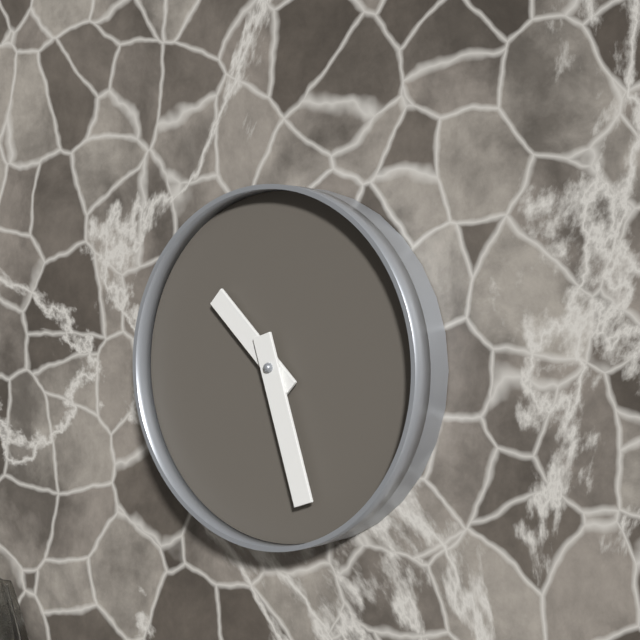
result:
10,27
